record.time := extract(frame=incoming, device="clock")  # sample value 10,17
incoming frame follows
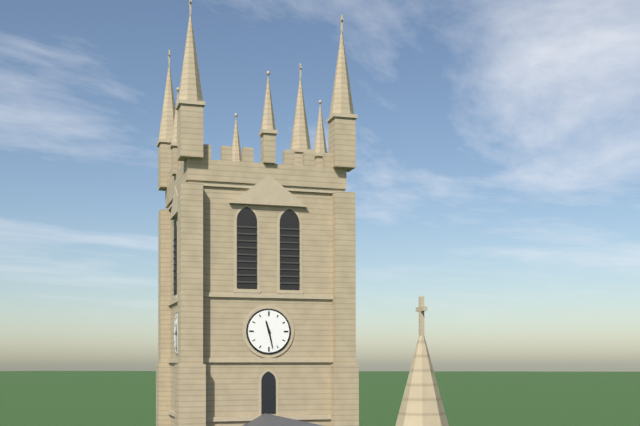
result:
11,28
